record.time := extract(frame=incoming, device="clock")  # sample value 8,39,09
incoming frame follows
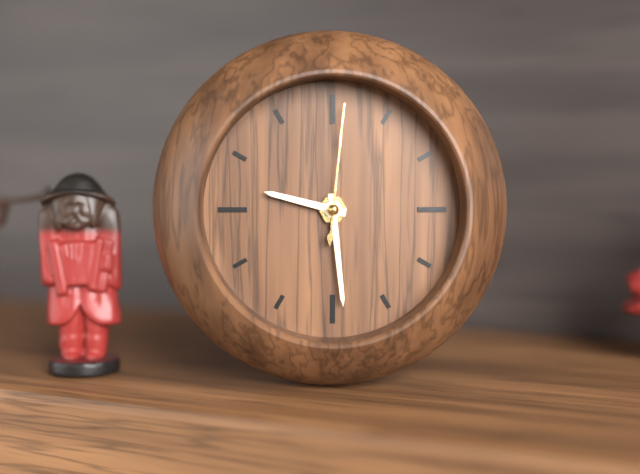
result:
9,29,01
